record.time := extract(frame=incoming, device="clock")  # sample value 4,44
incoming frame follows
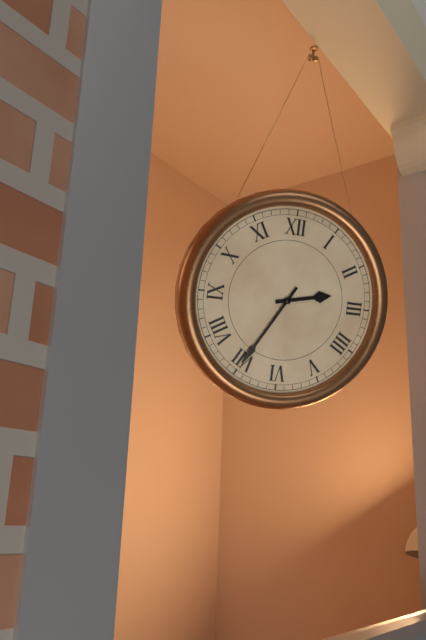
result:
2,35
